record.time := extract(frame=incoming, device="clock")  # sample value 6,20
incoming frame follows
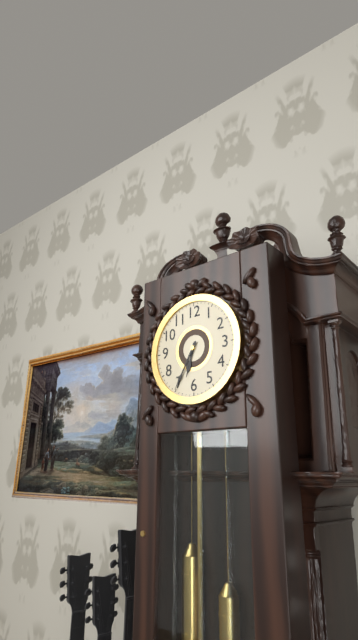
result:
6,35
